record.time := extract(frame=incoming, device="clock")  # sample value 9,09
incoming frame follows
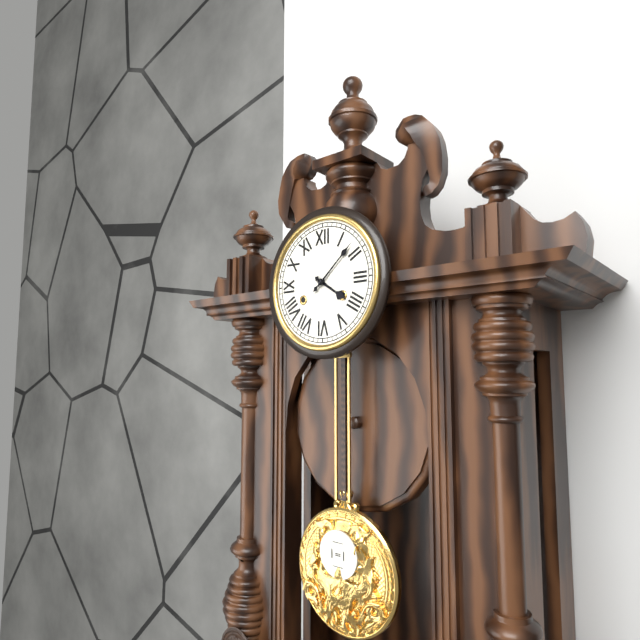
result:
4,08
